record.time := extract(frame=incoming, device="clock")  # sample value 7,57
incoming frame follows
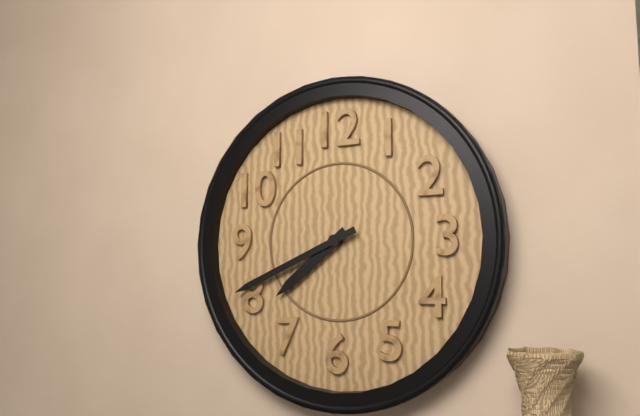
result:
7,41
